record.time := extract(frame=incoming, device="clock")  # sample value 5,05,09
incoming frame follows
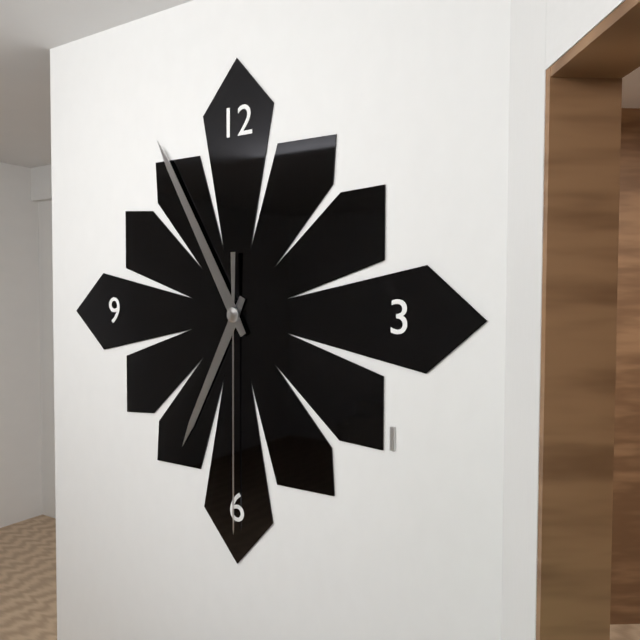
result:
6,55,30
